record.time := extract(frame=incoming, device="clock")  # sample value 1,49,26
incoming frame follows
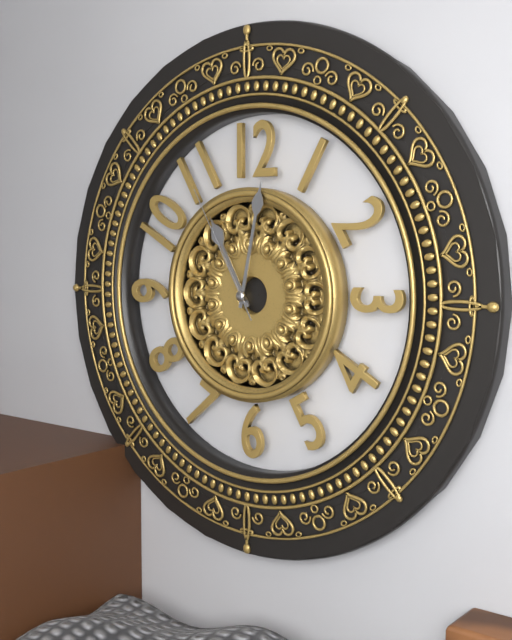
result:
11,02,55
